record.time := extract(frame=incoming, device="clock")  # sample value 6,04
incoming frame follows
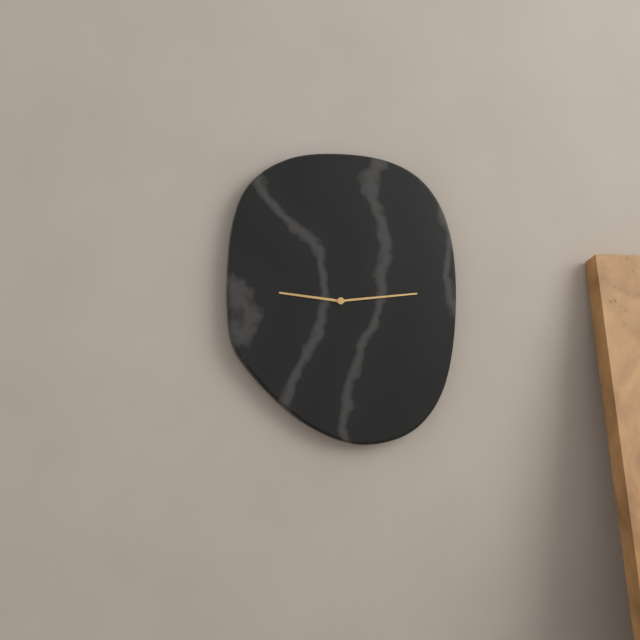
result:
9,14
